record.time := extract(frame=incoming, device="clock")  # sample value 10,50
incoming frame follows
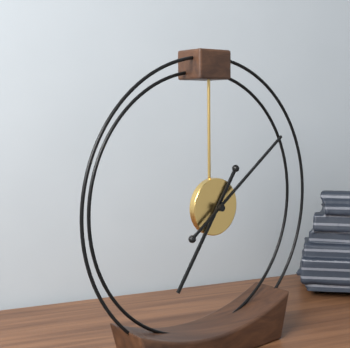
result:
7,09
